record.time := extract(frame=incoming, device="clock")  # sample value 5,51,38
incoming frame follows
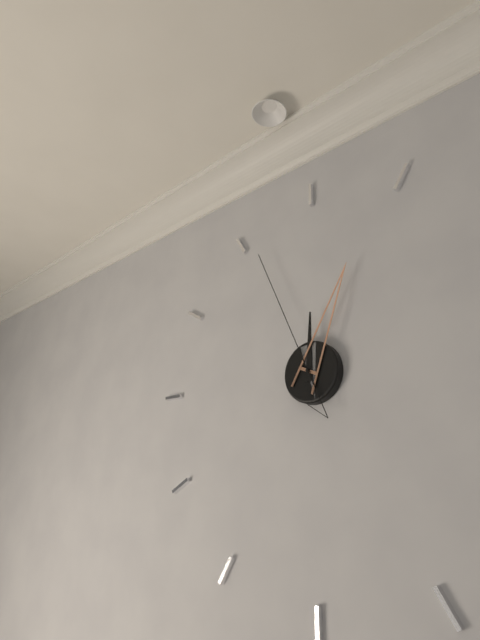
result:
12,04,56
